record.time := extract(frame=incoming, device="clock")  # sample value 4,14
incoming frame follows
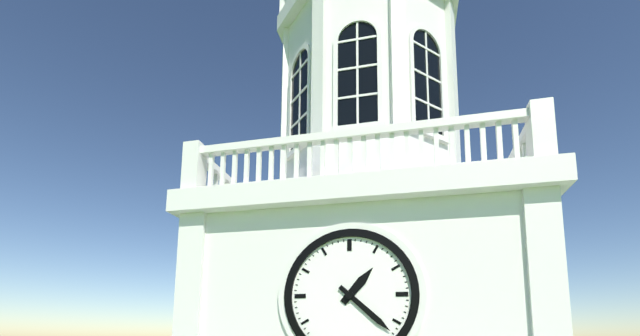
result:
1,22
